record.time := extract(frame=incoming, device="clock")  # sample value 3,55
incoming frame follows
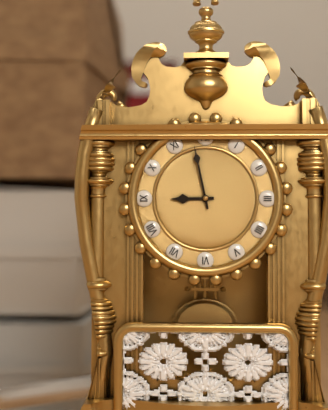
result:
8,58
